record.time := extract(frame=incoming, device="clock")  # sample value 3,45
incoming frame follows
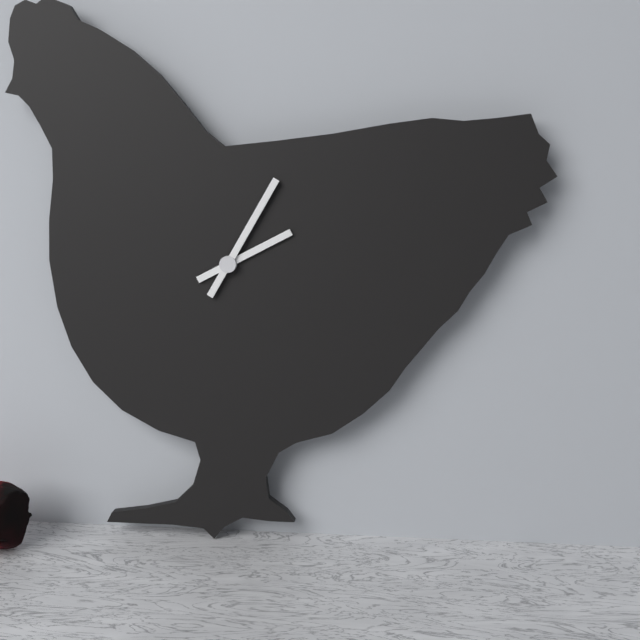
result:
2,05
